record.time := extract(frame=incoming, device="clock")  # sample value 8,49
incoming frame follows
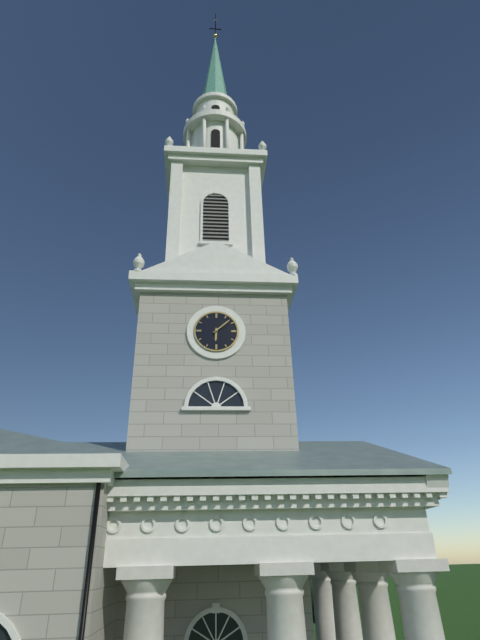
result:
6,08
